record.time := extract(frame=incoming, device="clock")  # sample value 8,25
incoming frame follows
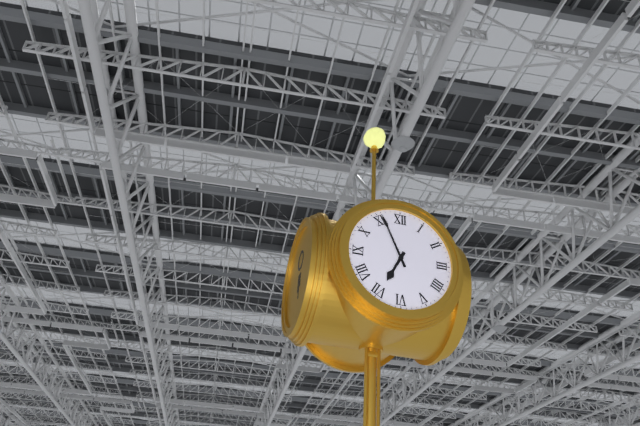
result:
6,56
